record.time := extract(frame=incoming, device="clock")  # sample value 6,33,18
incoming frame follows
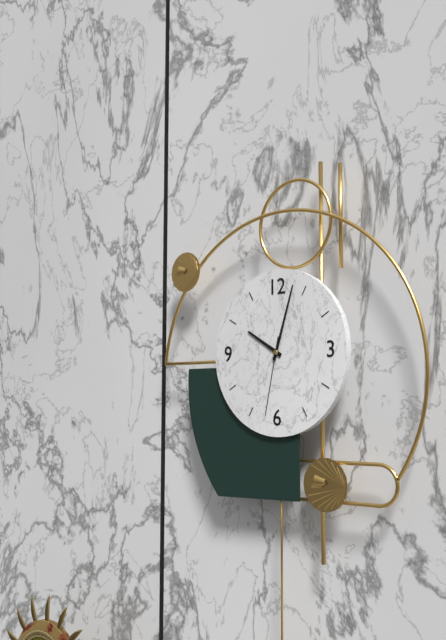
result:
10,03,32
